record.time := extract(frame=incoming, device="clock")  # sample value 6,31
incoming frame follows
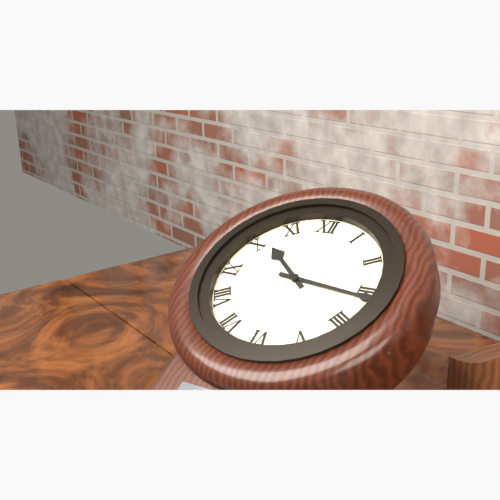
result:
10,16
